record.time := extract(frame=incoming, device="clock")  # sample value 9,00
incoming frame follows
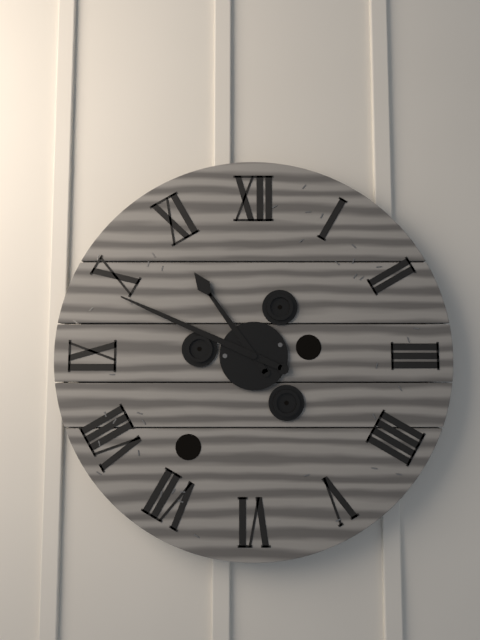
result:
10,49
